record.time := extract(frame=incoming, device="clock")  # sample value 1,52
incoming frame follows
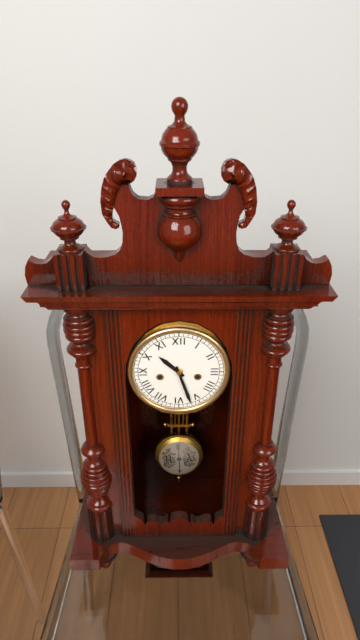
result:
10,27
